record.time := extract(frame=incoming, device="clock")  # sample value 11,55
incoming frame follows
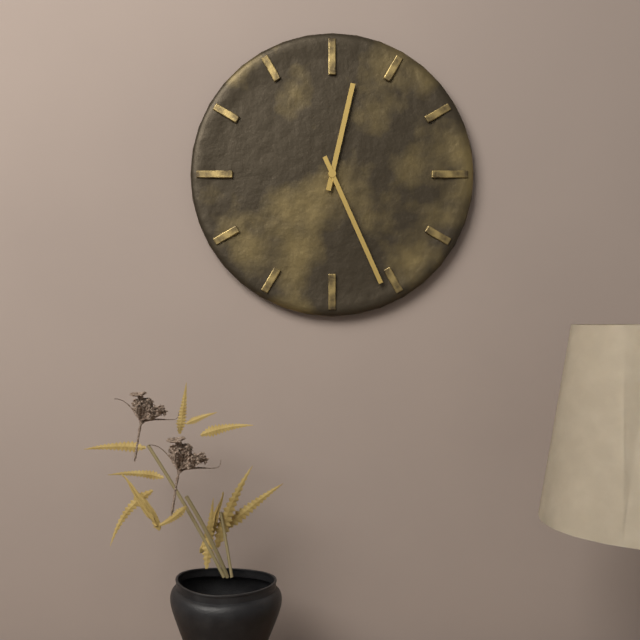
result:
12,26
